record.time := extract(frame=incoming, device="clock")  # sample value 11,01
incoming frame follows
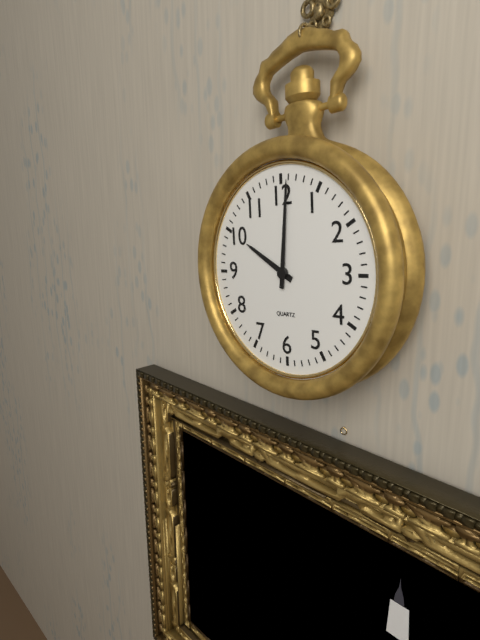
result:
10,01
